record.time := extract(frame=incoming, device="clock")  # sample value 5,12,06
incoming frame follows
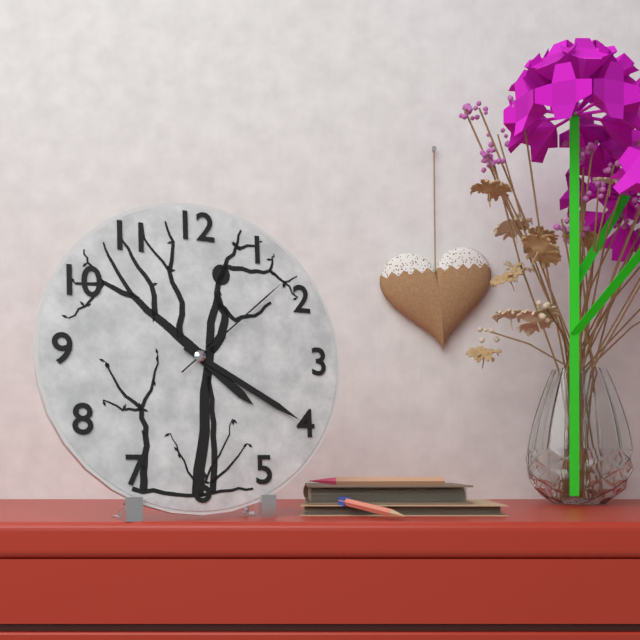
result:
4,20,08
